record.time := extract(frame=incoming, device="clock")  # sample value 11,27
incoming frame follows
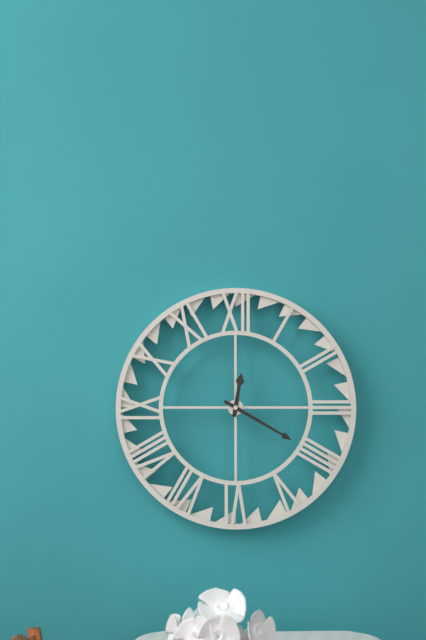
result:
12,20
